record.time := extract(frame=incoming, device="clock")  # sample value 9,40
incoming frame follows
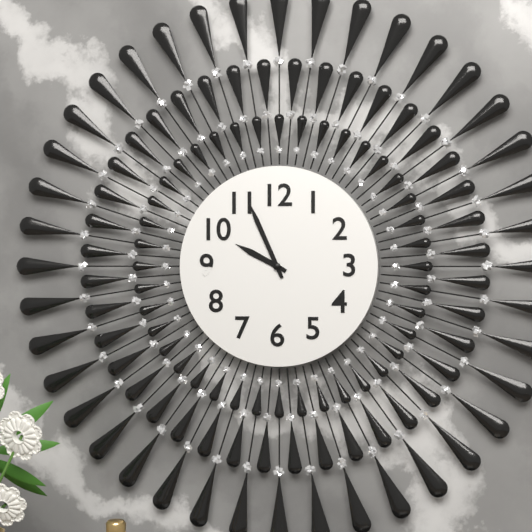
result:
9,56
